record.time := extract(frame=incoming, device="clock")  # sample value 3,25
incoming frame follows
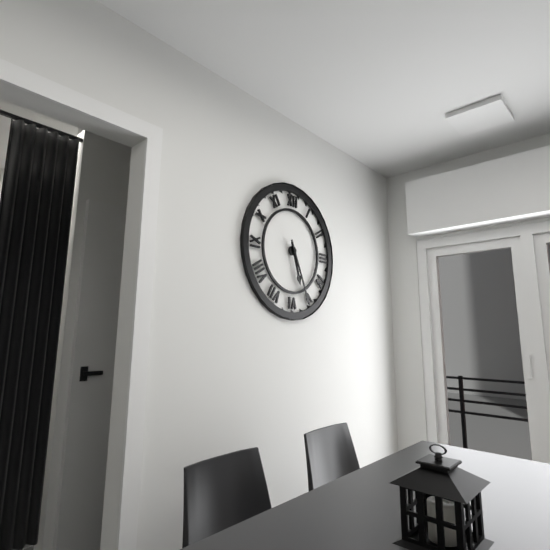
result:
5,26
